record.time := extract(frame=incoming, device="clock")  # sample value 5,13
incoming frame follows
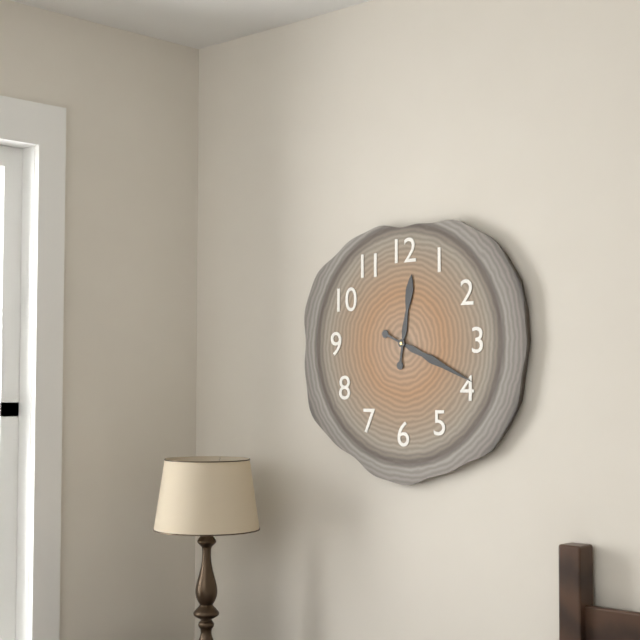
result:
12,19
